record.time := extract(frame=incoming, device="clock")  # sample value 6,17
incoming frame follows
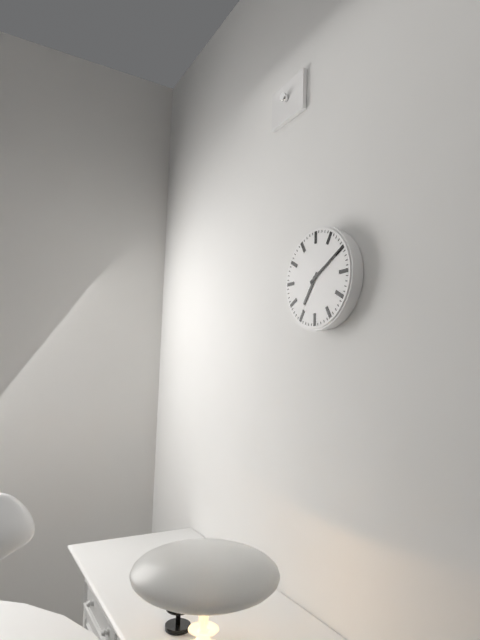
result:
7,10
